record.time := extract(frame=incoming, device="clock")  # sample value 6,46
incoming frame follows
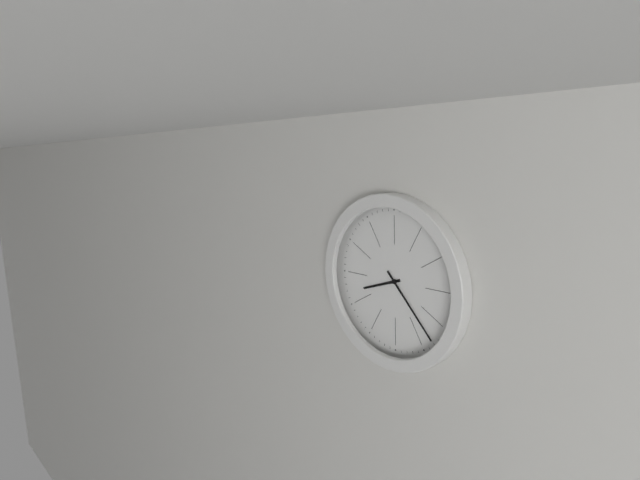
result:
8,23
